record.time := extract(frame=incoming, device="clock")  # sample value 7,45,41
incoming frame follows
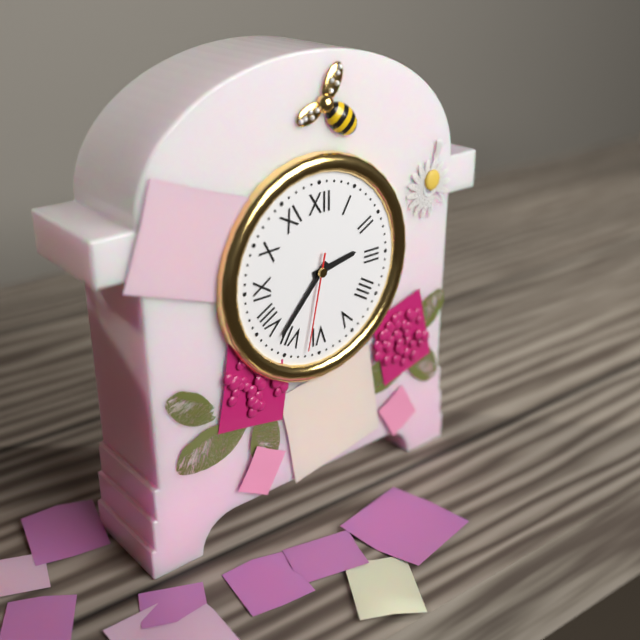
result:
2,37,32
